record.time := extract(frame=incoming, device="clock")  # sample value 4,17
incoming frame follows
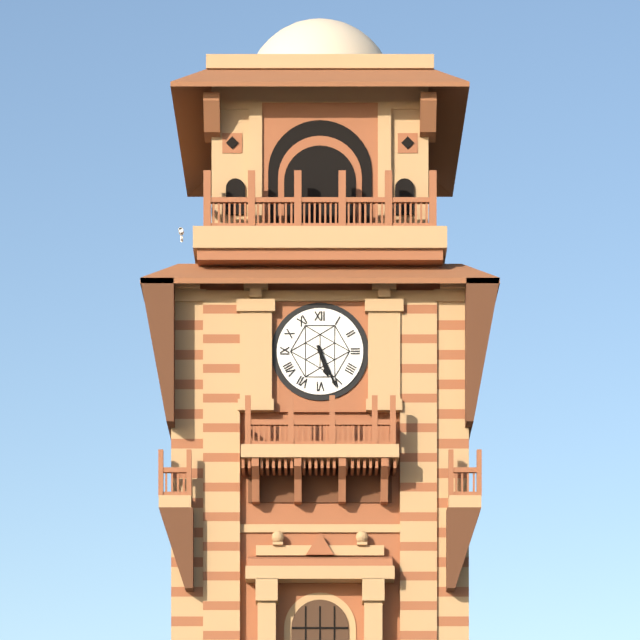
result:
5,26
